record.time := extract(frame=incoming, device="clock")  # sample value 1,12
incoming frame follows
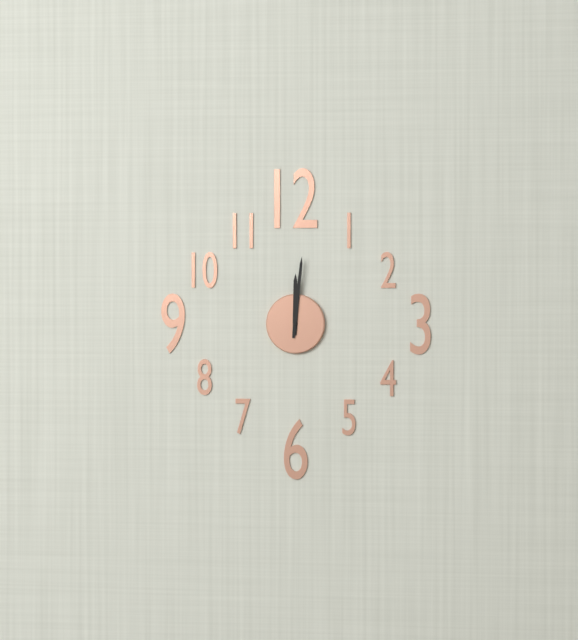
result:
12,01
